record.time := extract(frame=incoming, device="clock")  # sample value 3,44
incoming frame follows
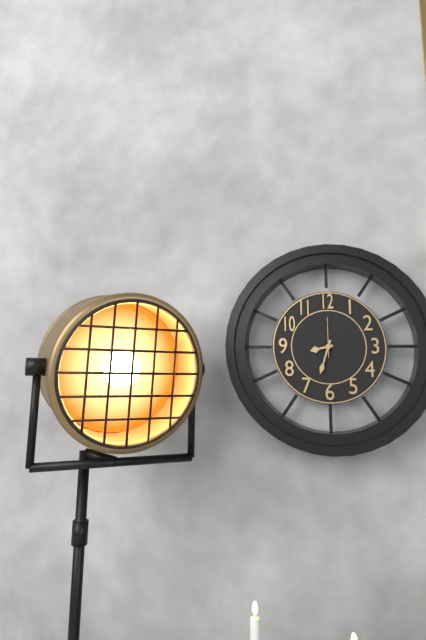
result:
8,33
